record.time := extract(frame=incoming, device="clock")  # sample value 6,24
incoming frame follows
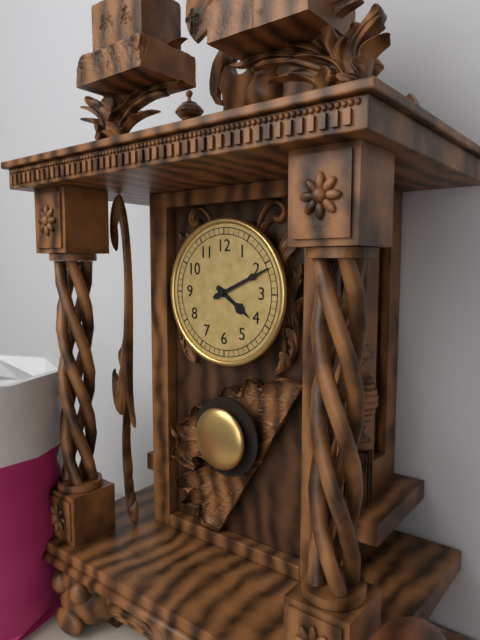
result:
4,11
